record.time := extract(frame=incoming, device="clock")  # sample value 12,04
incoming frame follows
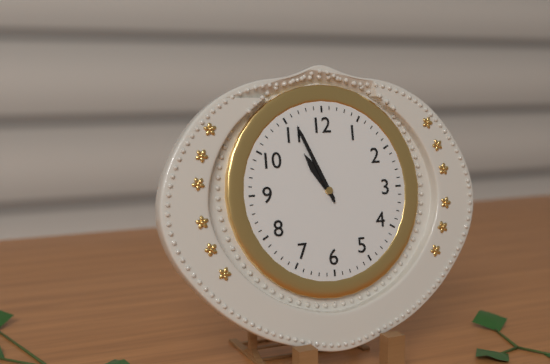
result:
10,56
